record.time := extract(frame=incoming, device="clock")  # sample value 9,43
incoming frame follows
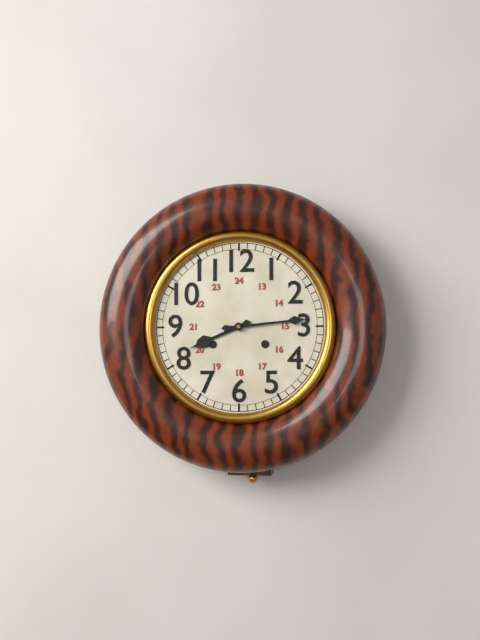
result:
8,14
